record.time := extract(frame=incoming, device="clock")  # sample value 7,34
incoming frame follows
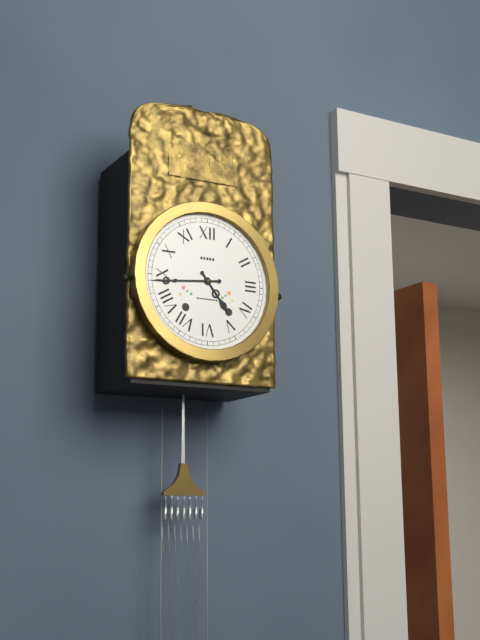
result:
4,44
